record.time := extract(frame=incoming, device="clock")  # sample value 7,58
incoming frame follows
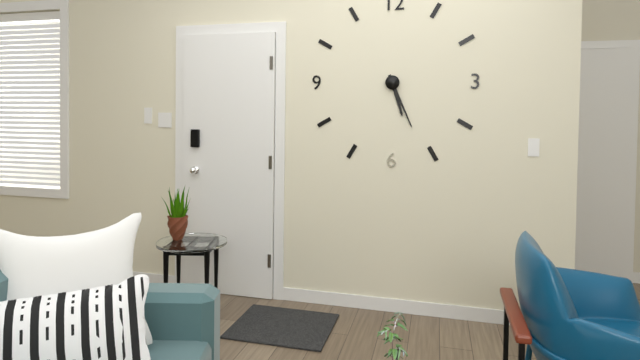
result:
5,26
